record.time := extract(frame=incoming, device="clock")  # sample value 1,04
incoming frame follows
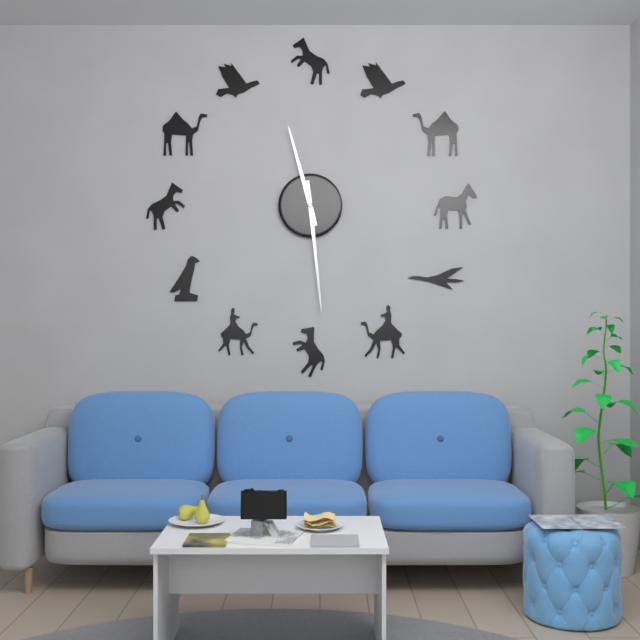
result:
11,29
